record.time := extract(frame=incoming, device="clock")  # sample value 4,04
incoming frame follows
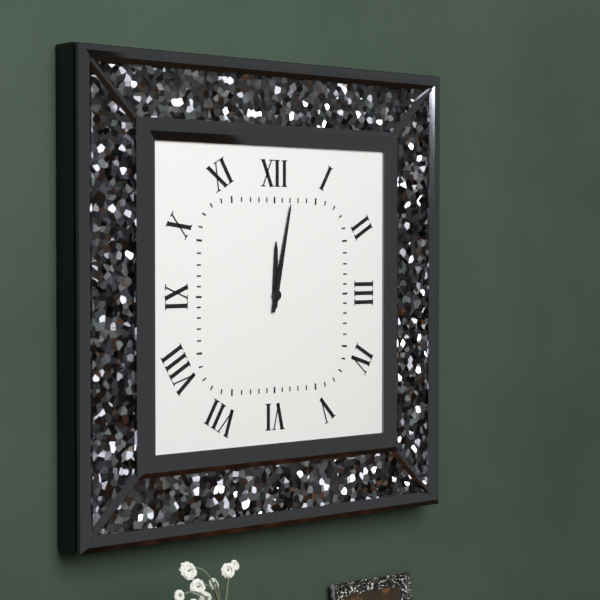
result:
12,02
